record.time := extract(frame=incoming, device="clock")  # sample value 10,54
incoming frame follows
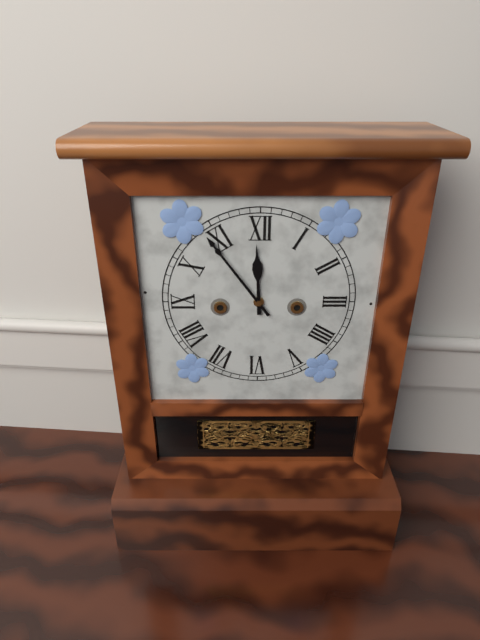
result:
11,54
